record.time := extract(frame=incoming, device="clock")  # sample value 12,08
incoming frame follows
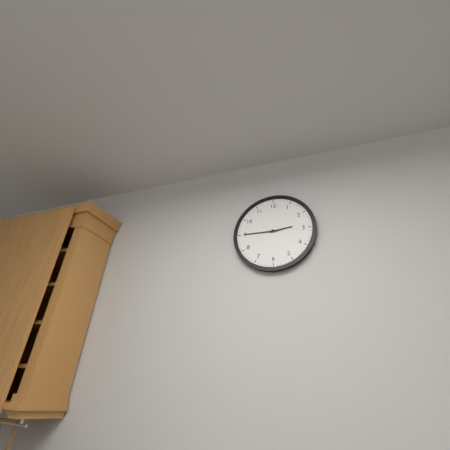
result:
2,45
